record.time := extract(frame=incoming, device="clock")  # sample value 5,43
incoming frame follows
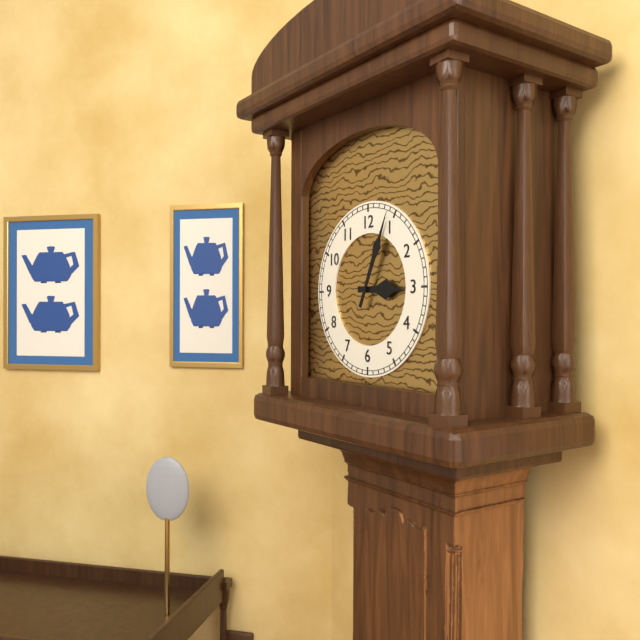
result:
3,04
